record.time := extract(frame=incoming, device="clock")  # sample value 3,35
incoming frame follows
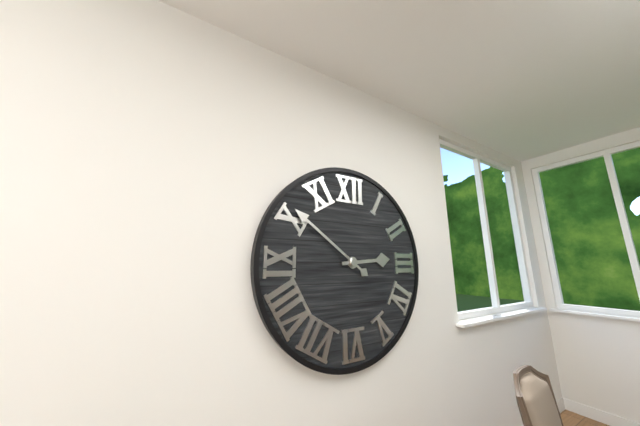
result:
2,51
